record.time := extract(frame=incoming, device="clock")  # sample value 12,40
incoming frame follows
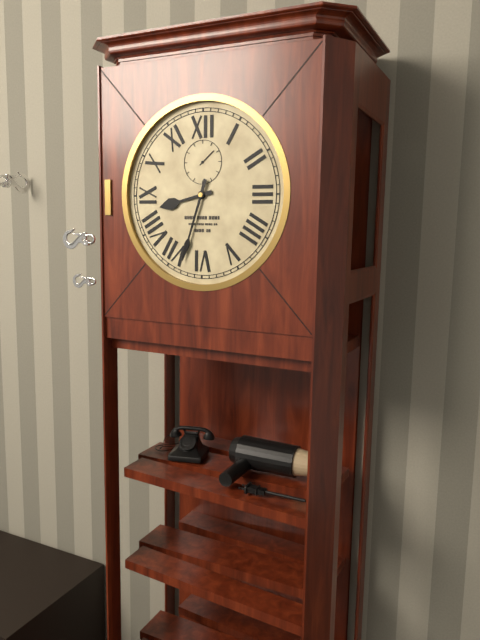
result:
8,33
